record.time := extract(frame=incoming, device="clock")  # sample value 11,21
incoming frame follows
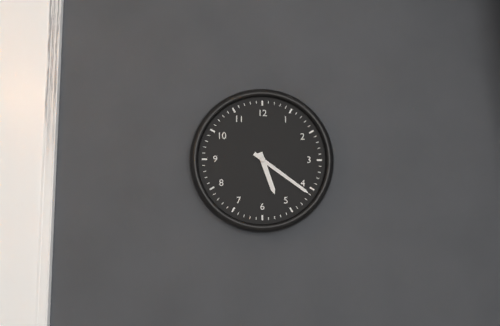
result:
5,21
